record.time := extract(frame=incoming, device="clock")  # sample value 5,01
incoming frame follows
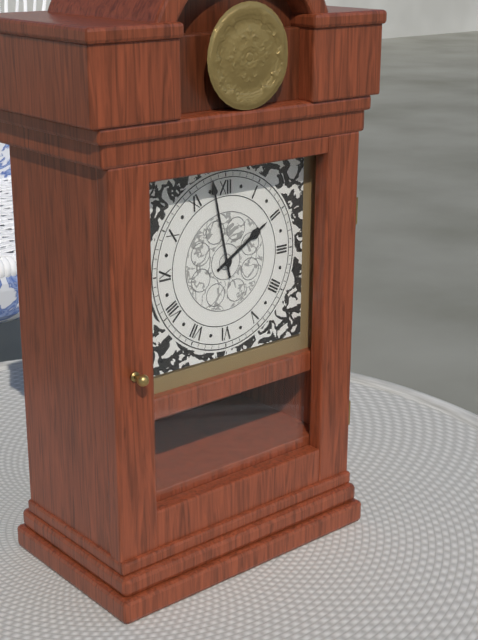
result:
1,58
